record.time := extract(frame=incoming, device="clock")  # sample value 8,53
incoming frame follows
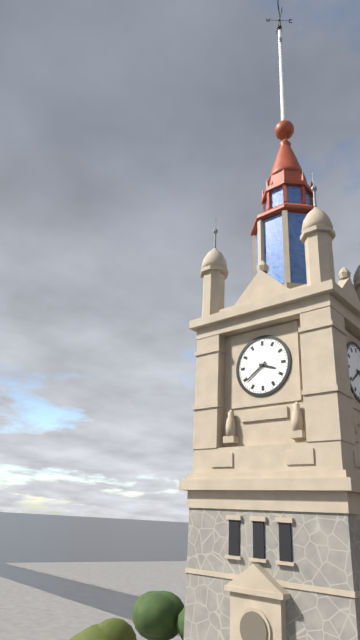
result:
3,39
